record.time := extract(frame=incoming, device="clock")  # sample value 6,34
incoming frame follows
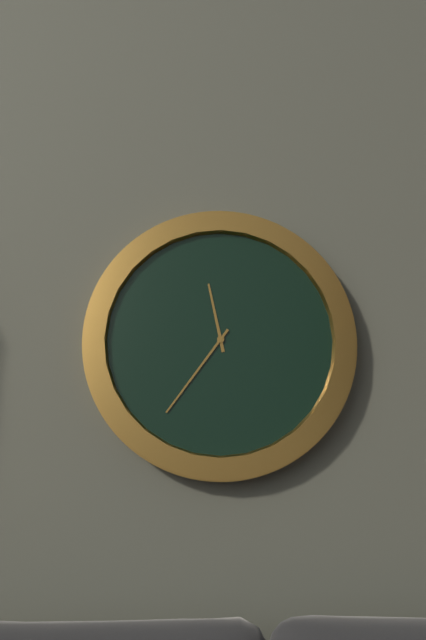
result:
11,36
